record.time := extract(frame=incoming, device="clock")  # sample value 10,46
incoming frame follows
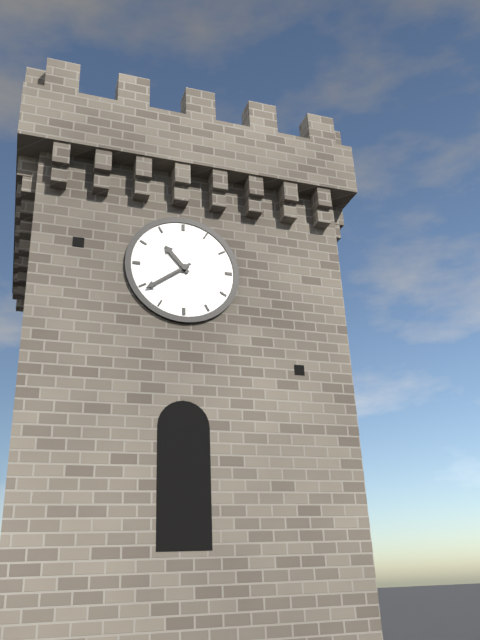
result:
10,39
